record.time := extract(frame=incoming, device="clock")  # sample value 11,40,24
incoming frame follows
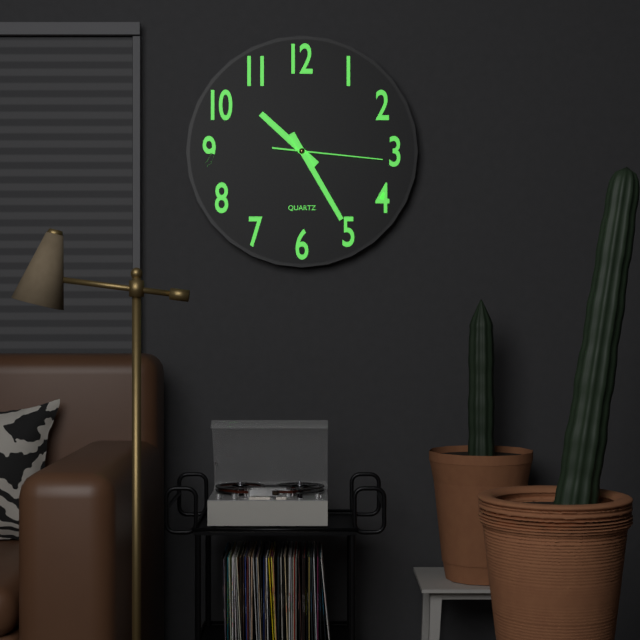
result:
10,25,16
